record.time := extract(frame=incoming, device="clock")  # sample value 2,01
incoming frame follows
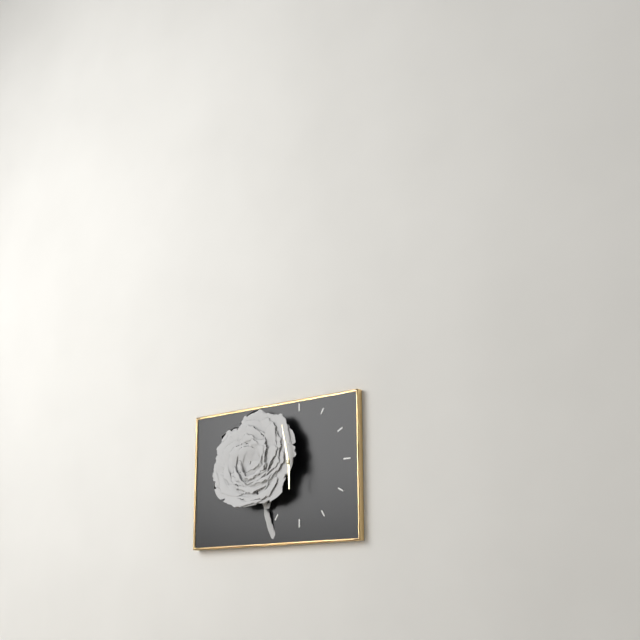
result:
5,58
